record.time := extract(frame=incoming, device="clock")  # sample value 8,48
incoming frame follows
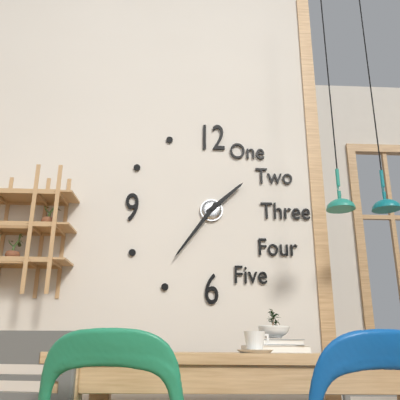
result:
1,36
